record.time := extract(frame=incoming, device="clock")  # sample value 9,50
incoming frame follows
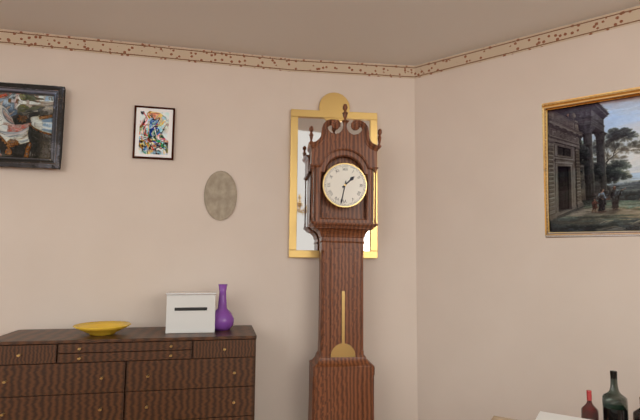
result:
1,32
